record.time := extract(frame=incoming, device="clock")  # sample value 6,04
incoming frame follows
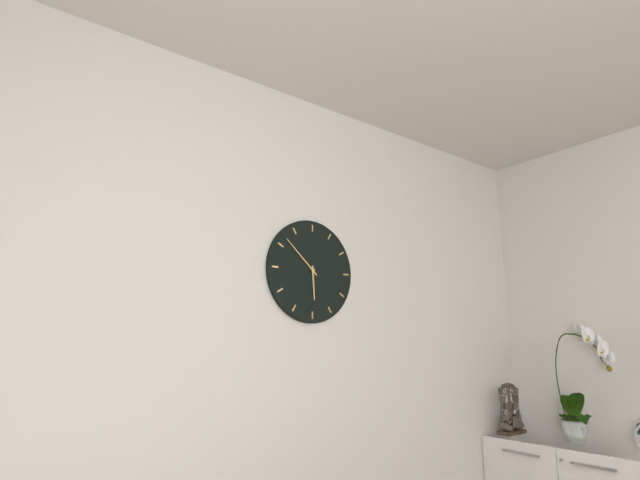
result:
5,52
